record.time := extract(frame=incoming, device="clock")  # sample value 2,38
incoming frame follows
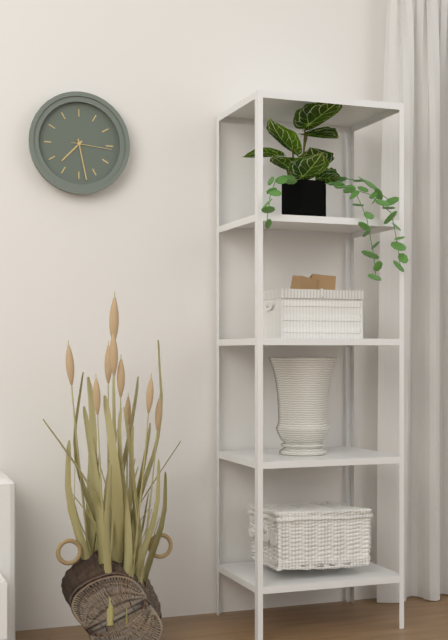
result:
7,28
